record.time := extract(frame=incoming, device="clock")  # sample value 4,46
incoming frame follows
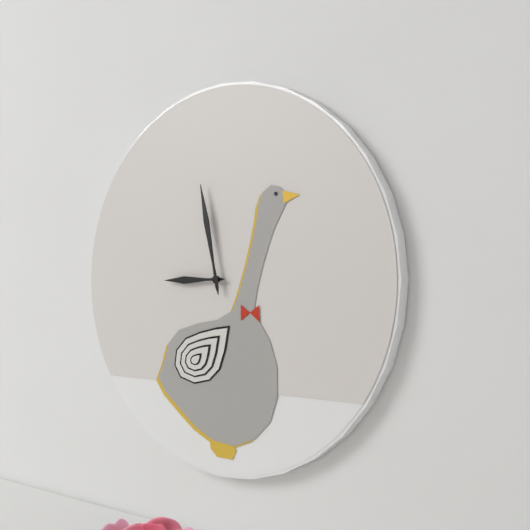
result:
8,58
